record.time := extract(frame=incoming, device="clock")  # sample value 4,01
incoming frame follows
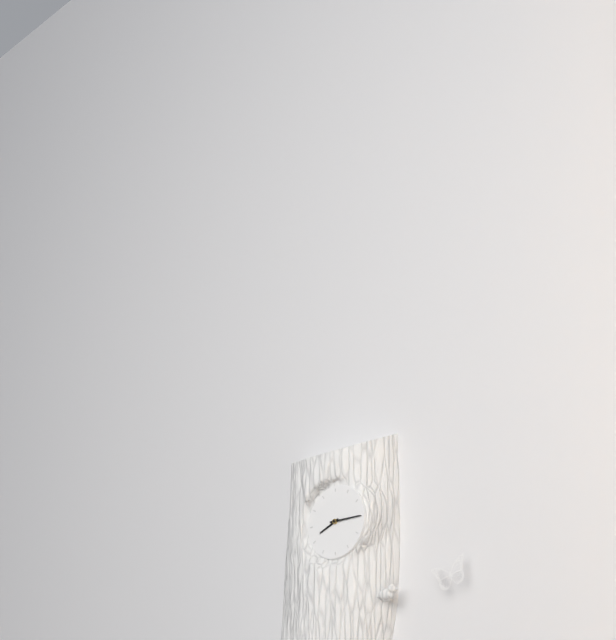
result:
8,15
